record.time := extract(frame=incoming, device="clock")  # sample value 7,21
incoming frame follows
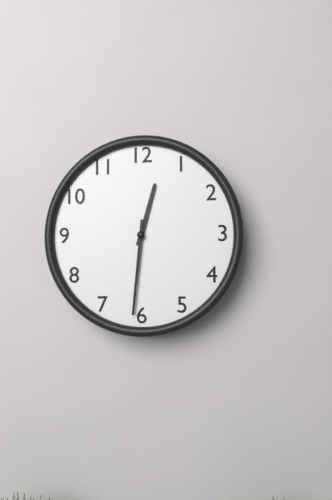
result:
12,31
